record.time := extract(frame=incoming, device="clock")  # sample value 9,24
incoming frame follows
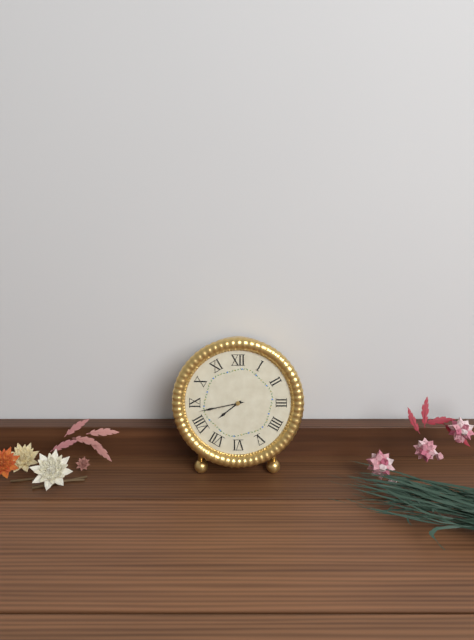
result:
7,43
